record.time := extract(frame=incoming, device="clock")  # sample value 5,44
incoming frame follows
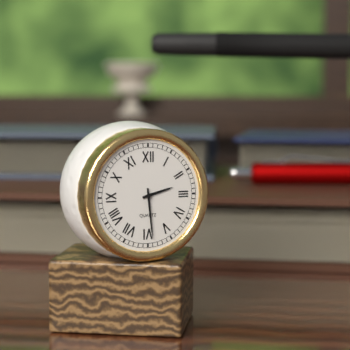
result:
2,29
